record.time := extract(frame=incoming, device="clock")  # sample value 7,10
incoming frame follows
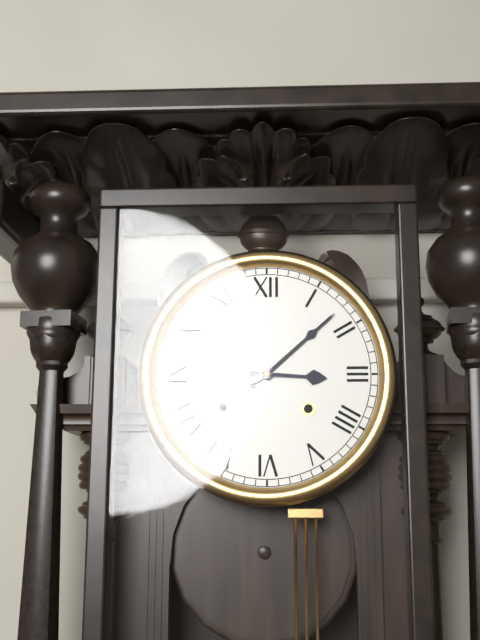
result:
3,08
